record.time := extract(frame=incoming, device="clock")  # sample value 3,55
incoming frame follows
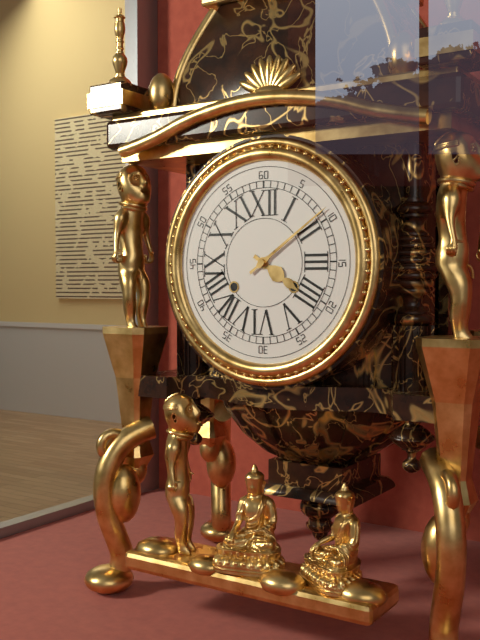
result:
4,09
